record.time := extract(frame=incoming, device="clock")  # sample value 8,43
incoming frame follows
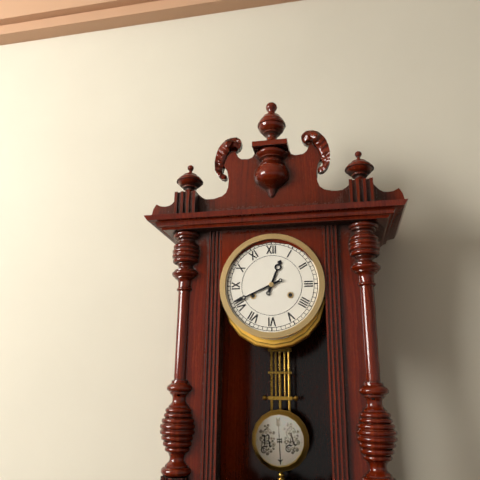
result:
12,41
